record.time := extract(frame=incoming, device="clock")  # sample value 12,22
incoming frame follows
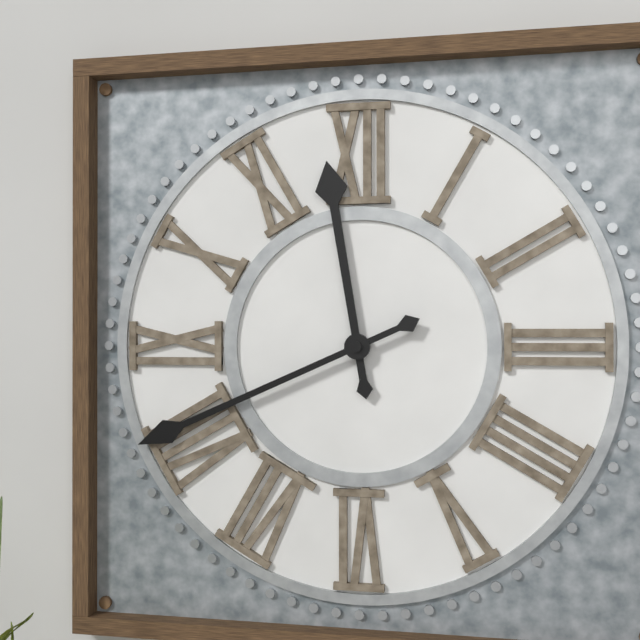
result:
11,41
